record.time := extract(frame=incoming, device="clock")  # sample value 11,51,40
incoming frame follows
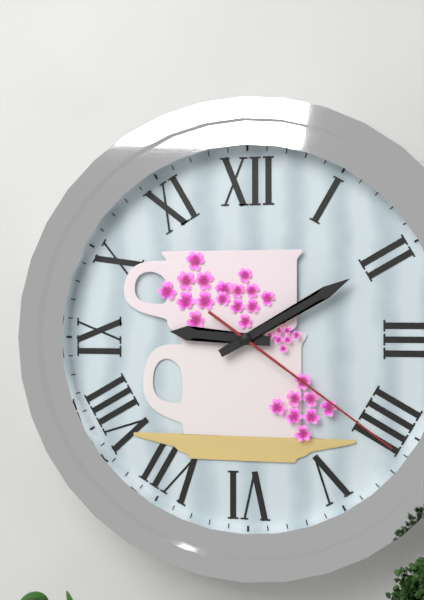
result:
9,10,21
